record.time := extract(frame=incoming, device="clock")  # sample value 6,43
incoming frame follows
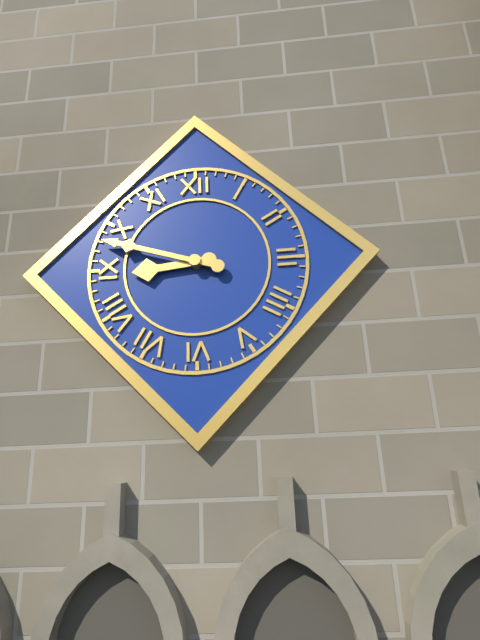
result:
8,48
